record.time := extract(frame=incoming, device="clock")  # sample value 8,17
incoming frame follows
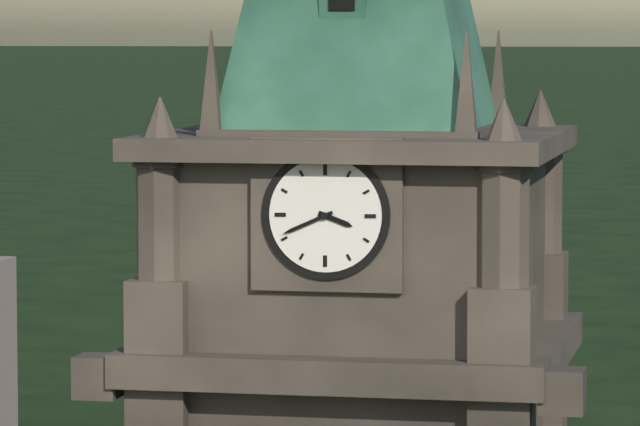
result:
3,41
